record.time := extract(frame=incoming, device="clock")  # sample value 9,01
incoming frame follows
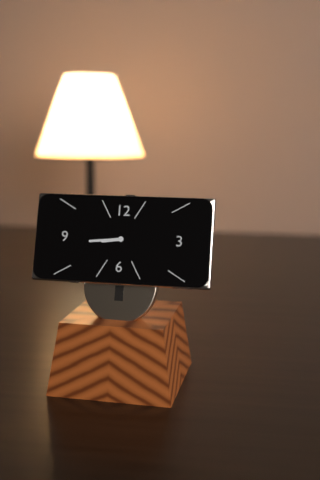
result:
8,44
